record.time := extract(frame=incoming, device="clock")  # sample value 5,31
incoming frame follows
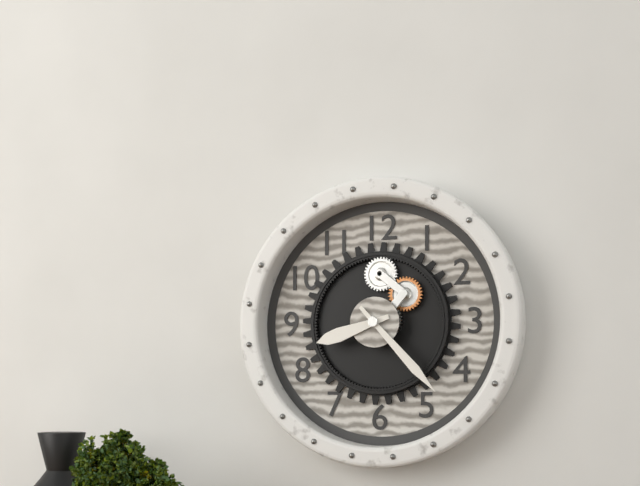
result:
8,23
